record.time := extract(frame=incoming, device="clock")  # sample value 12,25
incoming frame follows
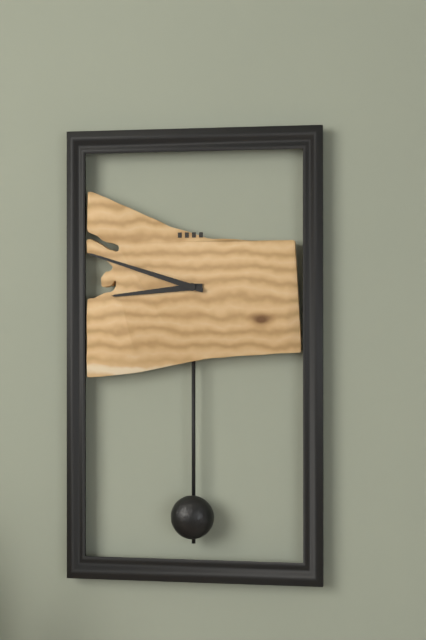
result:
8,48
